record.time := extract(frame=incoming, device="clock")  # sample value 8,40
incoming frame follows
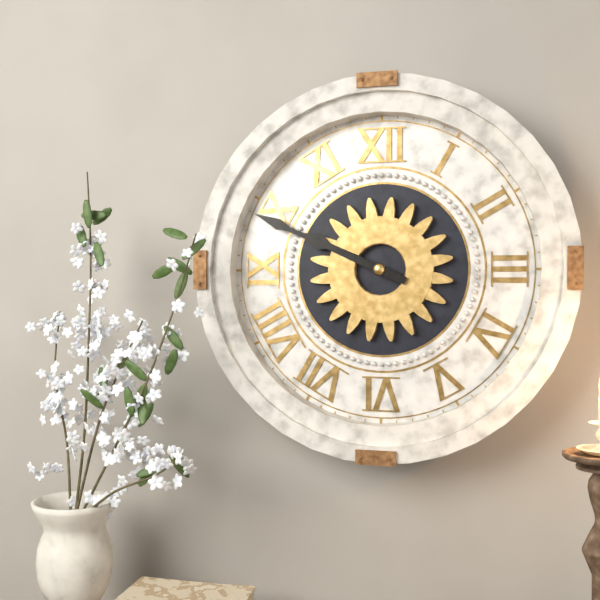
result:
9,49
